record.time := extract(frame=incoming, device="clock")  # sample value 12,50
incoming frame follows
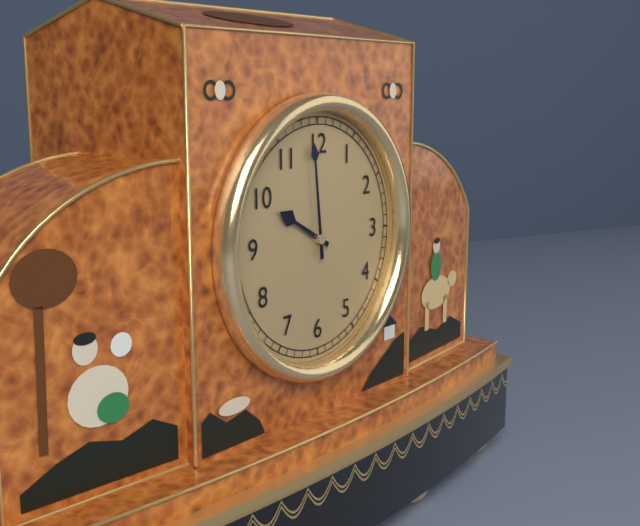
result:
9,59
